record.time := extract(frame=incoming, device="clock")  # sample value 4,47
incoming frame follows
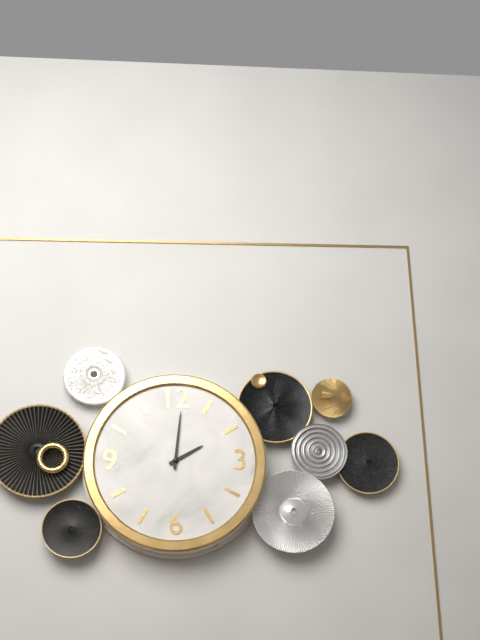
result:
2,01
